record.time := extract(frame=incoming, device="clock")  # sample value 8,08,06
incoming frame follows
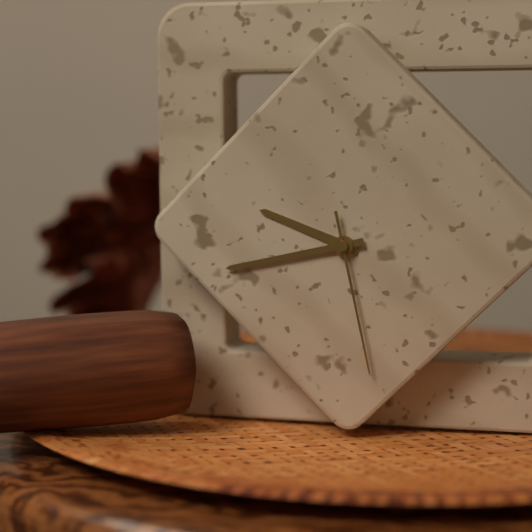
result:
9,43,28
